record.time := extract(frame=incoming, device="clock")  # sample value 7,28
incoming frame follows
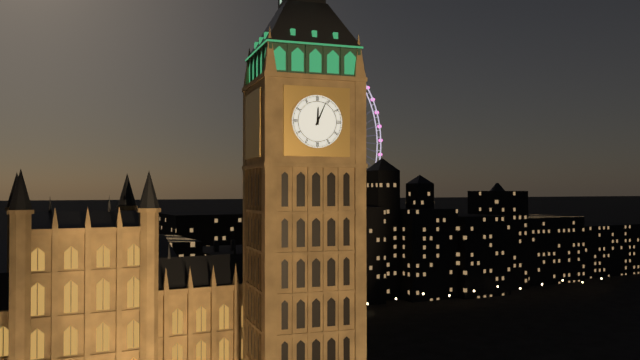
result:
12,04
